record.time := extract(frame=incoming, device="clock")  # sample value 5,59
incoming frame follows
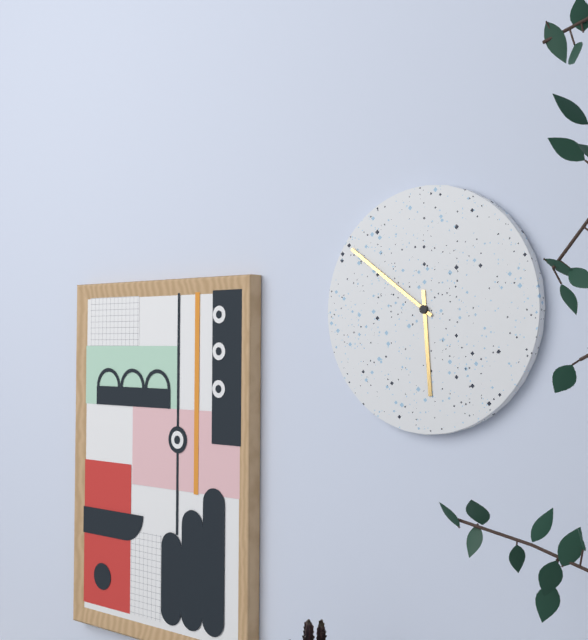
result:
5,51
